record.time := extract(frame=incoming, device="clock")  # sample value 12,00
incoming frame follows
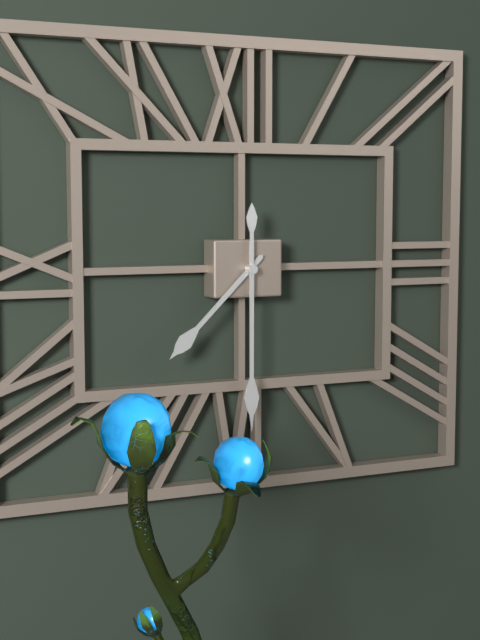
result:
7,30
